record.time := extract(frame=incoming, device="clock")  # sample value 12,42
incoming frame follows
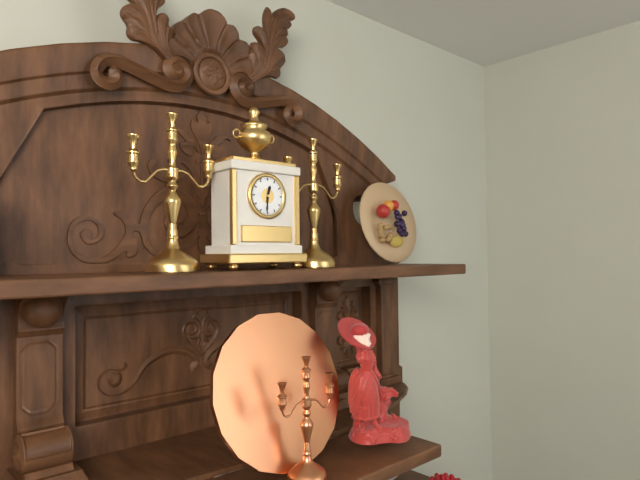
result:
12,31
